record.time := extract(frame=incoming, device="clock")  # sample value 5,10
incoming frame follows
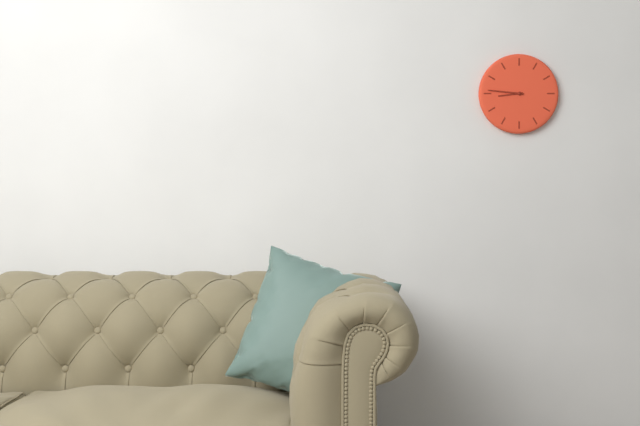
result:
8,46
